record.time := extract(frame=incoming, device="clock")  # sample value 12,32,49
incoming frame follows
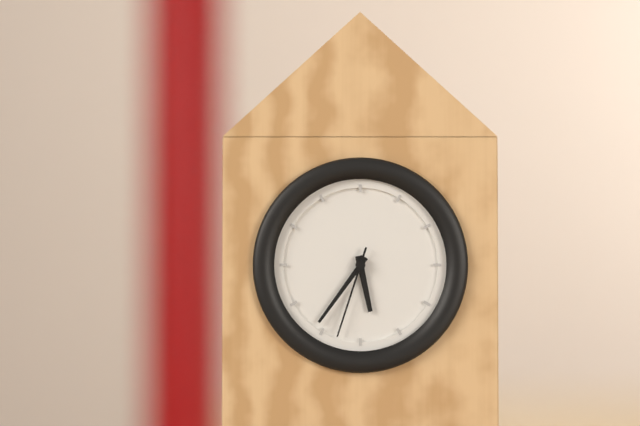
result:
5,36,33
